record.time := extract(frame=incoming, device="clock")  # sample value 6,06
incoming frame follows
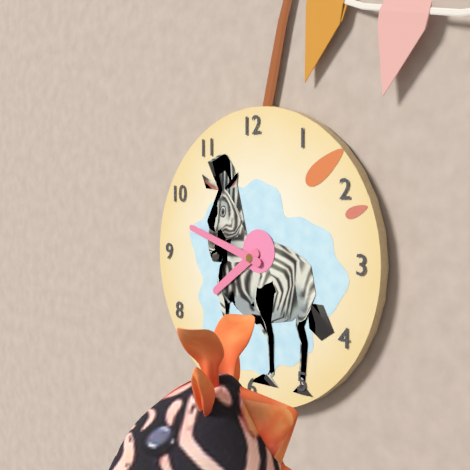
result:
7,48
